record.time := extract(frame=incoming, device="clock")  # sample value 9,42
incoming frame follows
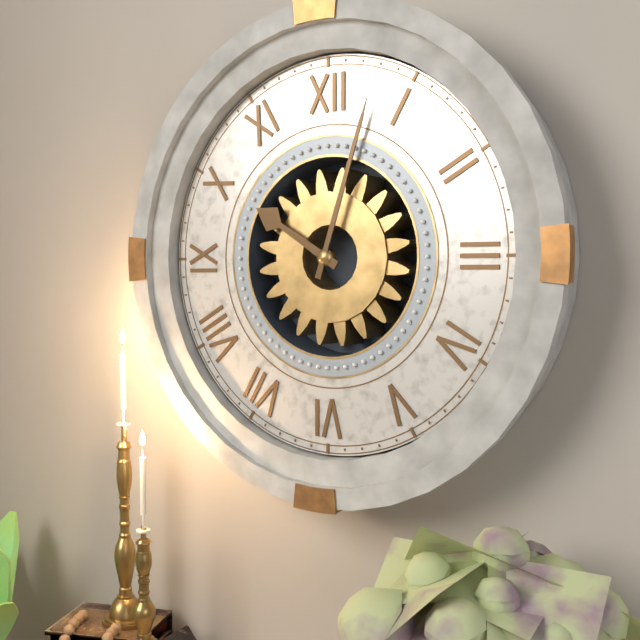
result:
10,03
